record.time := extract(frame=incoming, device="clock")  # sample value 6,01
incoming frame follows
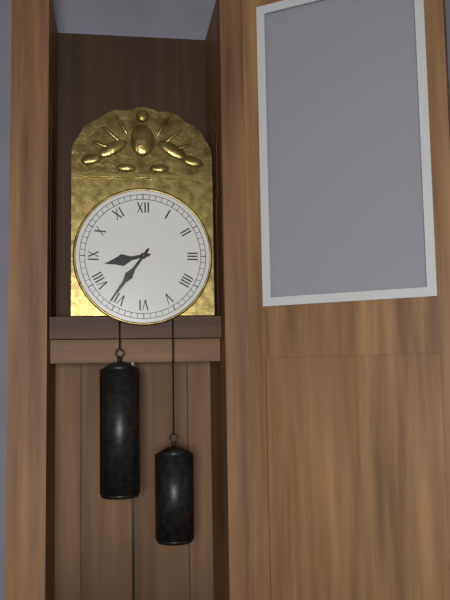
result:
8,36
